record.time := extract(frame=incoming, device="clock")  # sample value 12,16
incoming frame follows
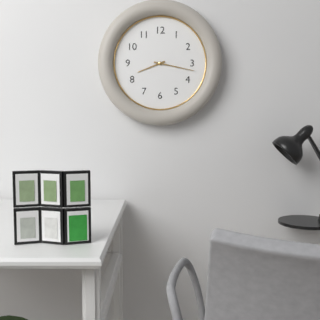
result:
8,17
